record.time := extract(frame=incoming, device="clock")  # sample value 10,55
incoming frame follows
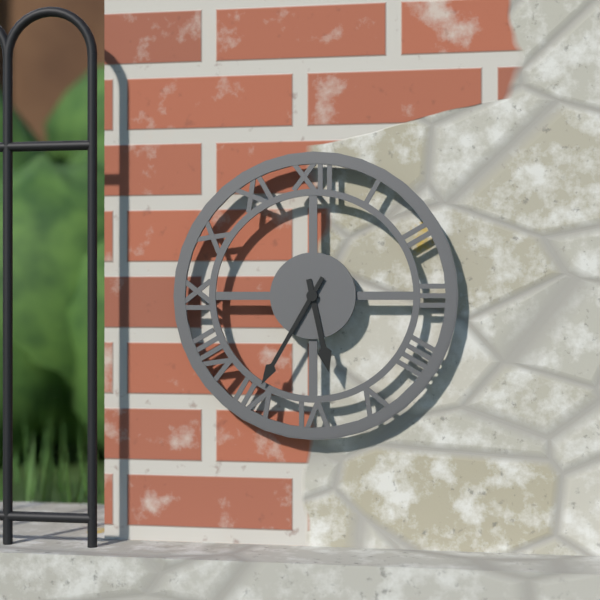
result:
5,35
